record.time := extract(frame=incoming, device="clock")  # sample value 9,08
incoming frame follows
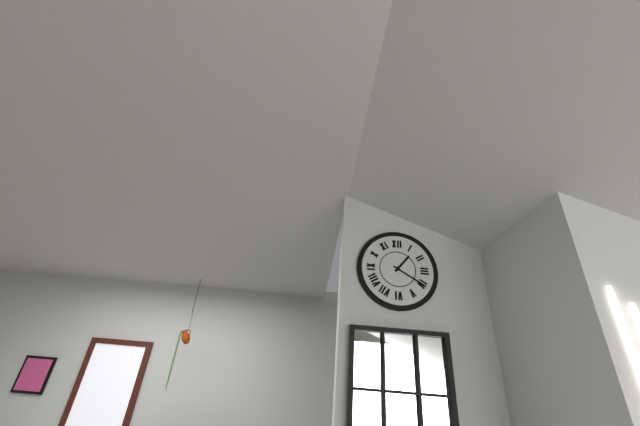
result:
1,20
